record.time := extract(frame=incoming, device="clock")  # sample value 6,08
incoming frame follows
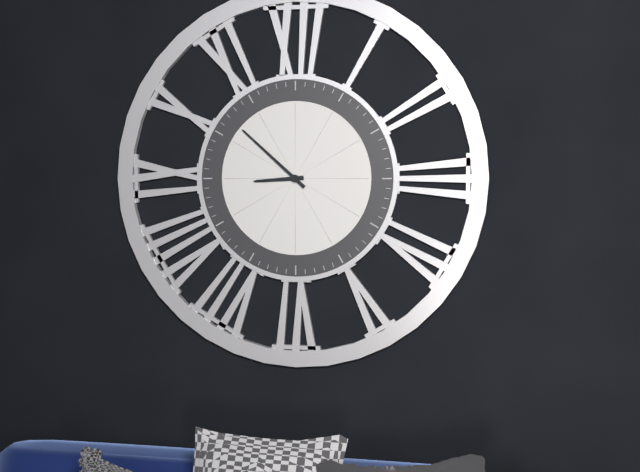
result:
8,52
